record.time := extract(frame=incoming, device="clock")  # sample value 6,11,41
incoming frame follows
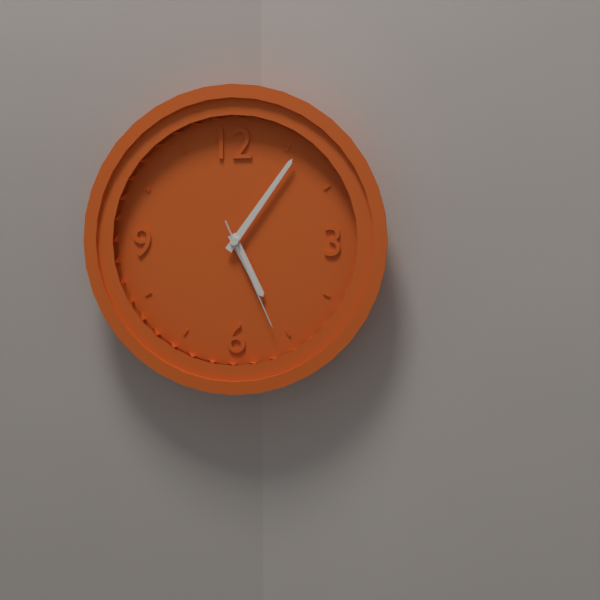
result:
5,06,26
